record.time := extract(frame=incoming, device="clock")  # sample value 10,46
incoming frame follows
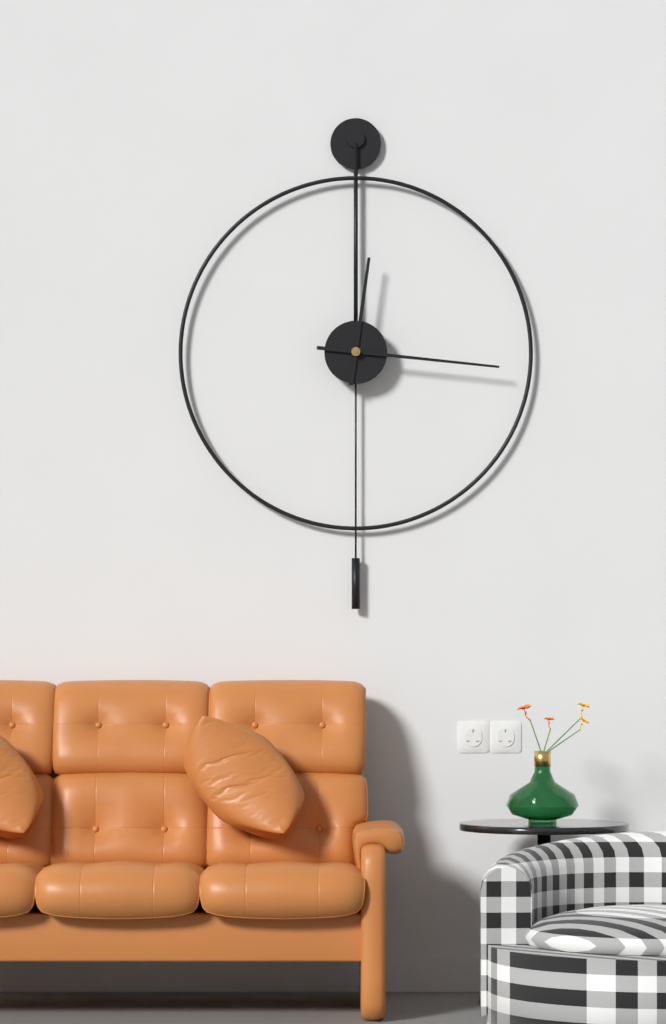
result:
12,16
